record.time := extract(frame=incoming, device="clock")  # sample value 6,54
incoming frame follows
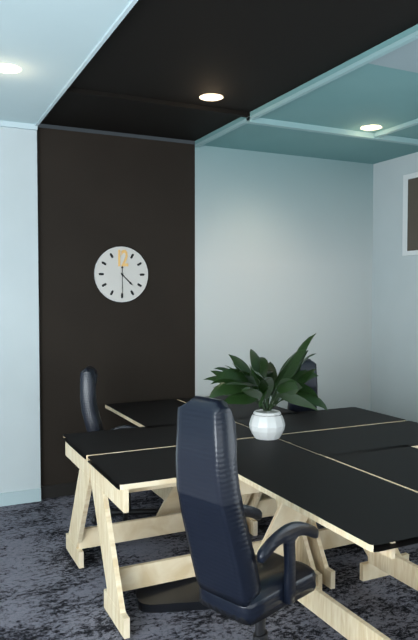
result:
4,30
